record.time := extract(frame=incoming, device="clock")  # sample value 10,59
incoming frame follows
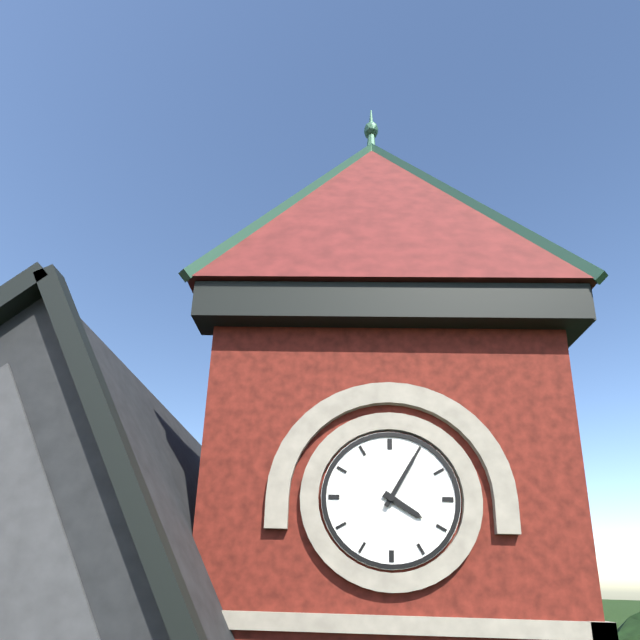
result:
4,05
